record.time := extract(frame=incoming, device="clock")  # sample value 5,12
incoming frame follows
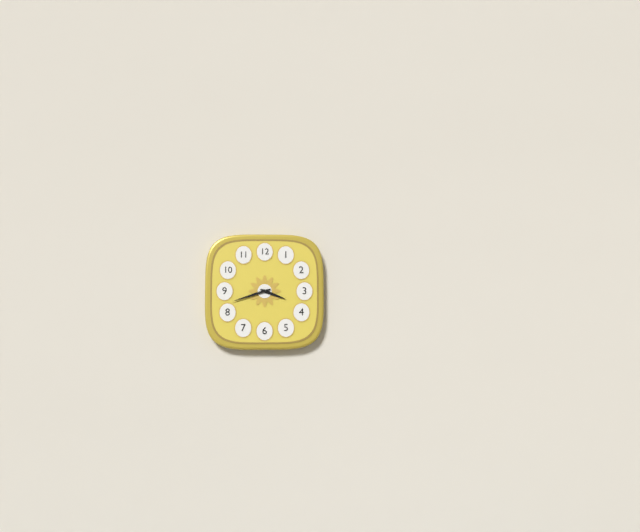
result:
3,42
